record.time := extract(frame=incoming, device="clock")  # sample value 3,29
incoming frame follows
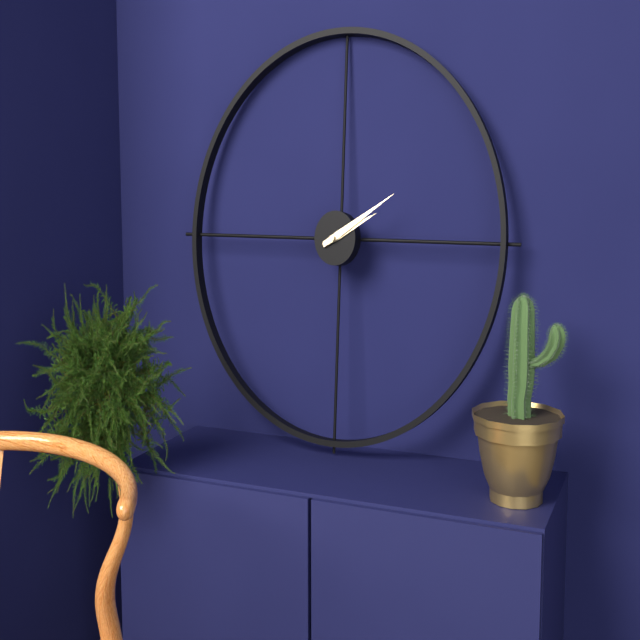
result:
2,10
